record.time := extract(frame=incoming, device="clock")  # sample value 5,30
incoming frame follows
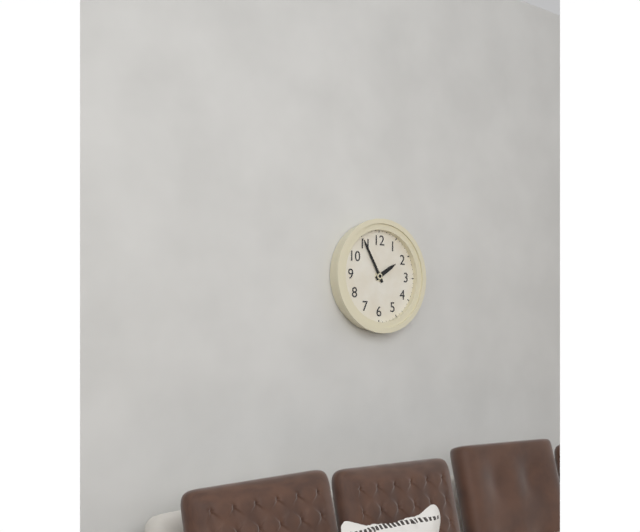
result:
1,55
